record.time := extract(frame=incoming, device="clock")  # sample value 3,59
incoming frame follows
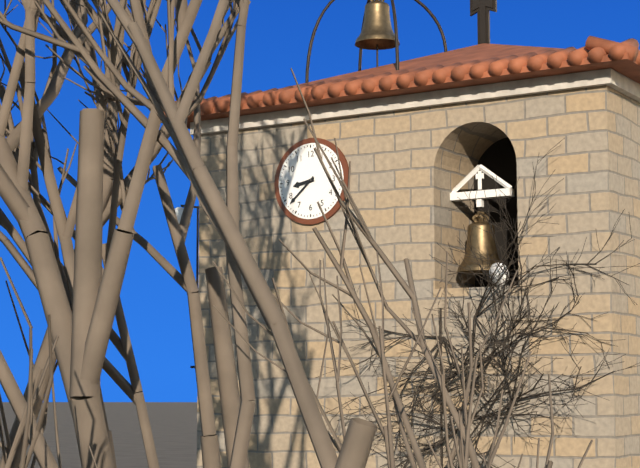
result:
8,38
